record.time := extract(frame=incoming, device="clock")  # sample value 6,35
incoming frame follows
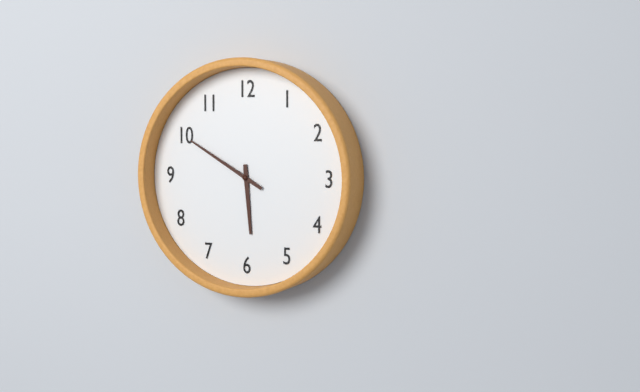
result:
5,50
